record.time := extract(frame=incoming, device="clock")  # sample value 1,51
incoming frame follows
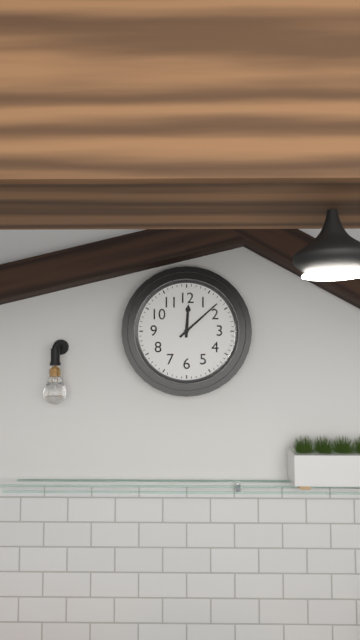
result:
12,08
